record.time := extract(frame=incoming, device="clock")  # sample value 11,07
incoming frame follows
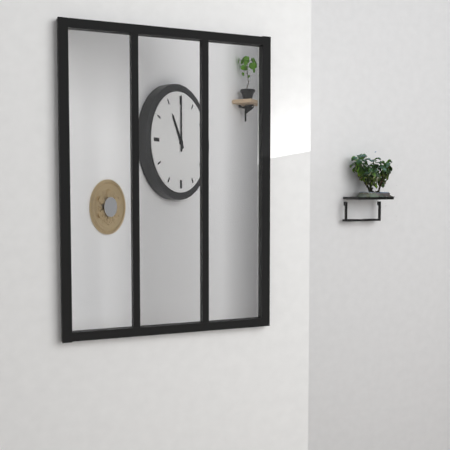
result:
11,00
